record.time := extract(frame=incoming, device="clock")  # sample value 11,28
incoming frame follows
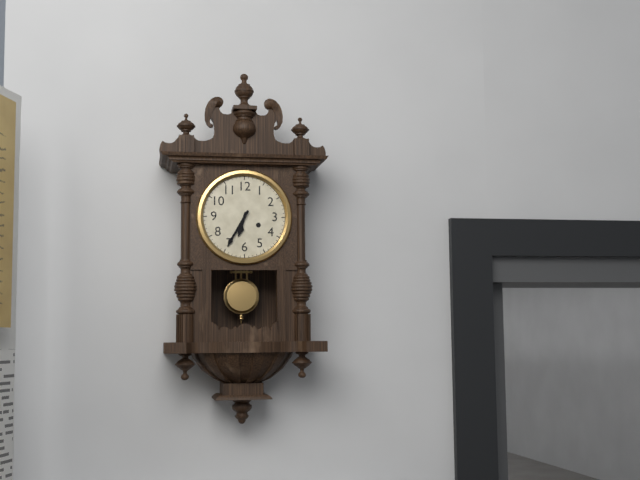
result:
6,35
